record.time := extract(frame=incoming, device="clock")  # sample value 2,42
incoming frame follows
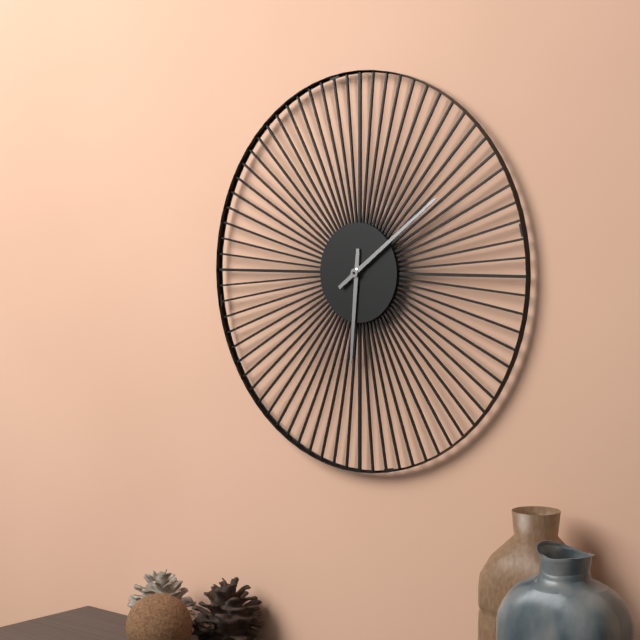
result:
6,09
